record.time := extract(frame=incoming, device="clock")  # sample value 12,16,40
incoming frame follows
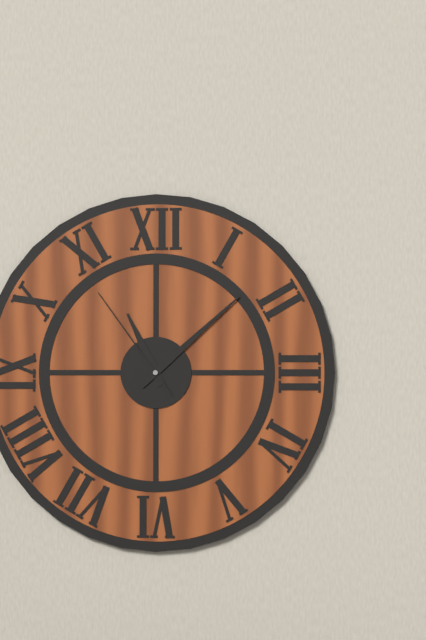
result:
11,08,54
